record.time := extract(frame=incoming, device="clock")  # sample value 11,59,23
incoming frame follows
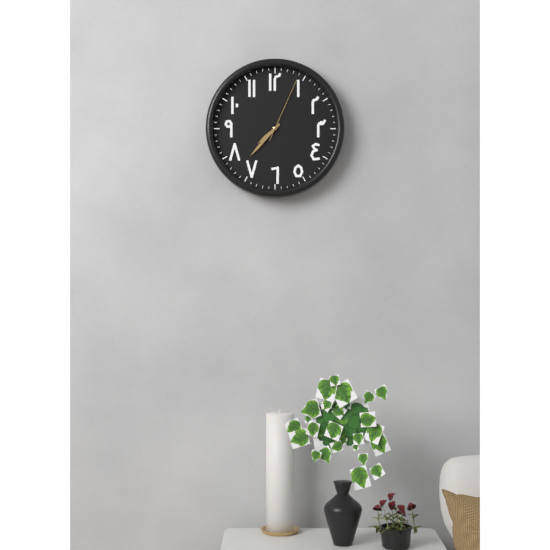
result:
7,37,04
